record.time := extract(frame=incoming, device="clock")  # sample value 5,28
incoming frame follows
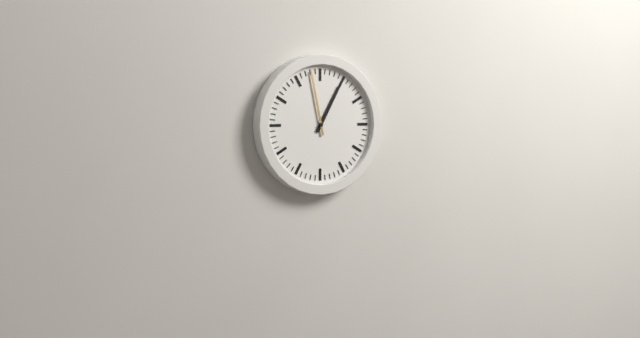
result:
12,58
